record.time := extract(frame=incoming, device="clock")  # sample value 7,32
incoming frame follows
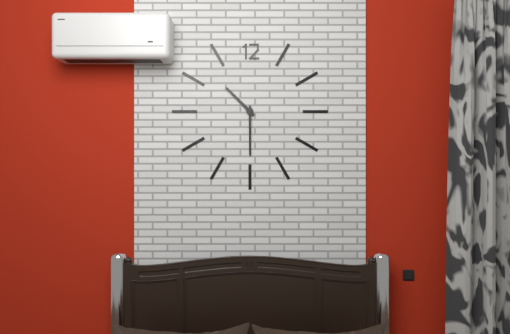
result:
10,30
